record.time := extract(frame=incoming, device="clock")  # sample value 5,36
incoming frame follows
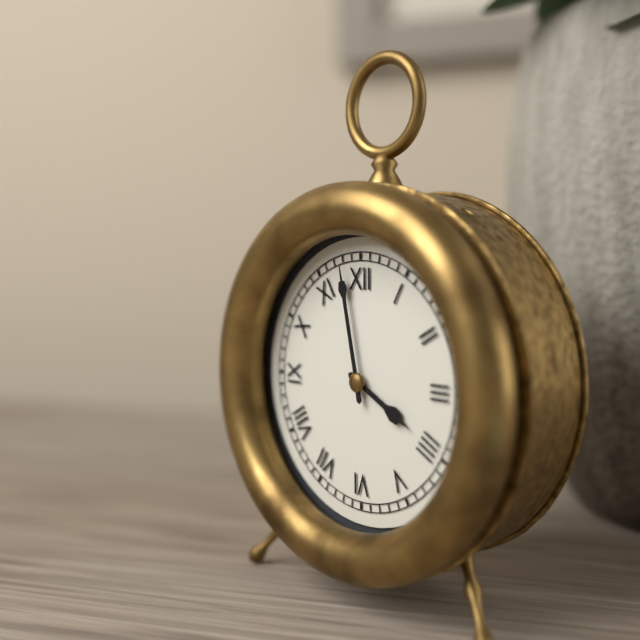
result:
3,58
